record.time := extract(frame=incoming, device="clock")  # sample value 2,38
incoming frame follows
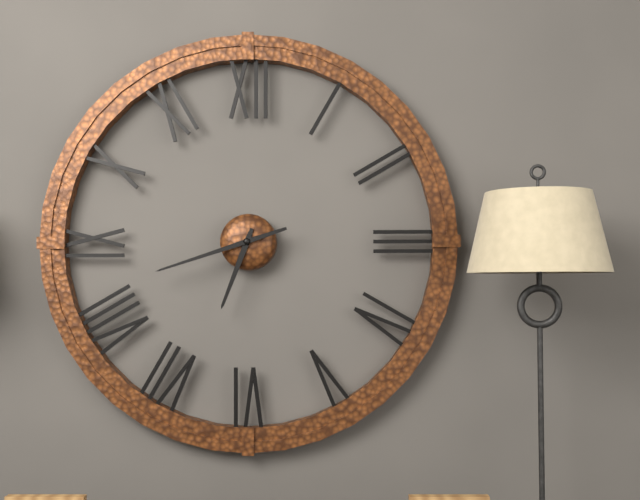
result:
6,42
